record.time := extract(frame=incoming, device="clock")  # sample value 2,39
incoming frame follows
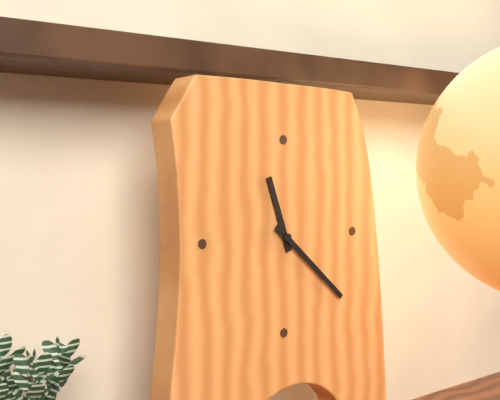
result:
11,22
